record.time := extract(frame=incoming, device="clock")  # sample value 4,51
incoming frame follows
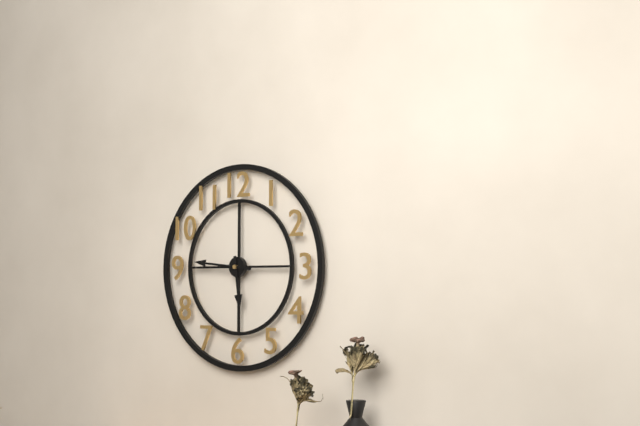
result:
5,46
